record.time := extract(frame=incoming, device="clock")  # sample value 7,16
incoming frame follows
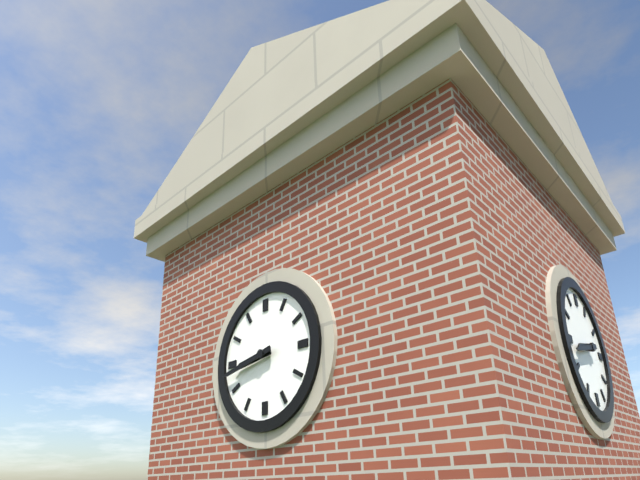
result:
8,43
